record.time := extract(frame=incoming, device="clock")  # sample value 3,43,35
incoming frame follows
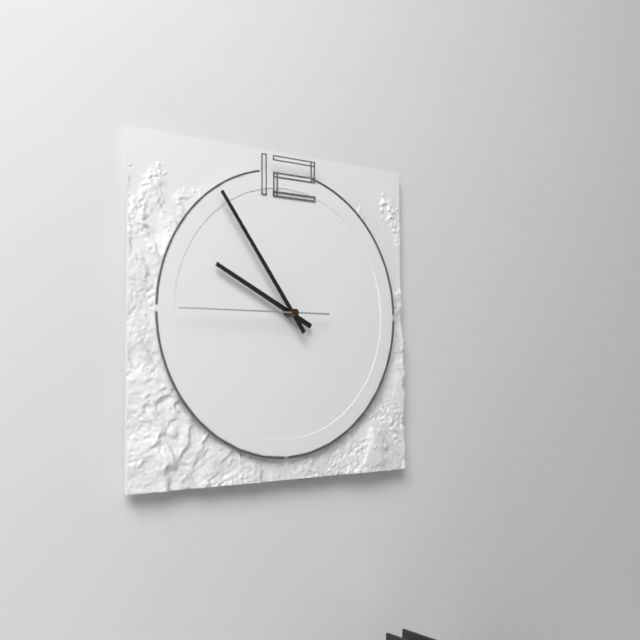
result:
9,54,45
